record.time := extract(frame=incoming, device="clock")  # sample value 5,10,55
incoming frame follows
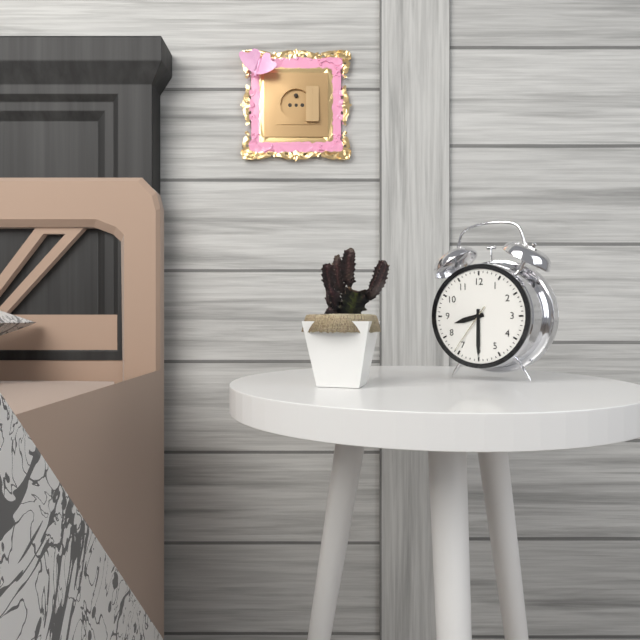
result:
8,30,36
